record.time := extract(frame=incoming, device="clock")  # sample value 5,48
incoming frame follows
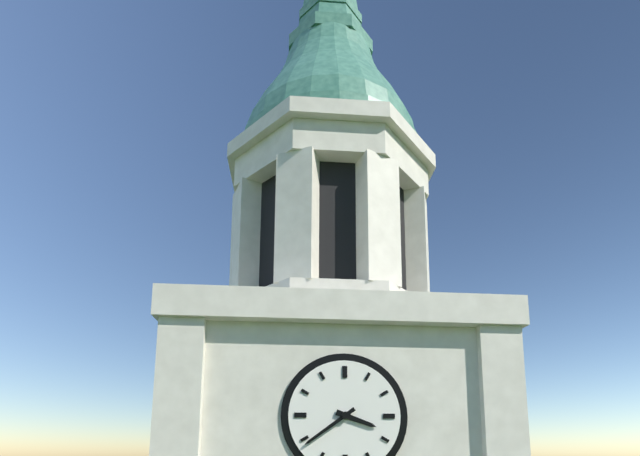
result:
3,39
